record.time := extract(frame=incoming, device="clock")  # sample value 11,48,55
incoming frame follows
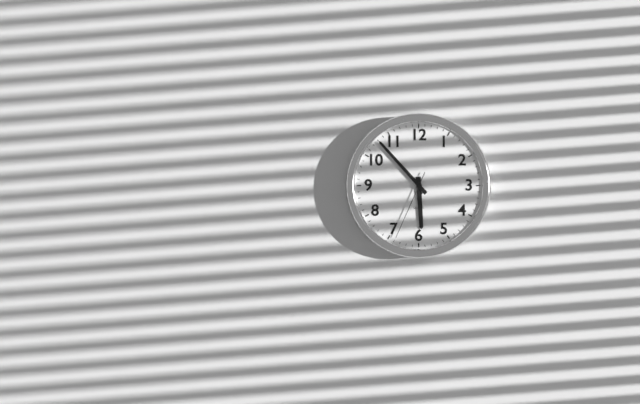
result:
5,53,34
